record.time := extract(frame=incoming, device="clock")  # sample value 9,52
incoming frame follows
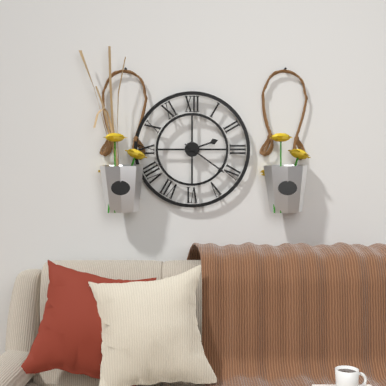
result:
2,21
